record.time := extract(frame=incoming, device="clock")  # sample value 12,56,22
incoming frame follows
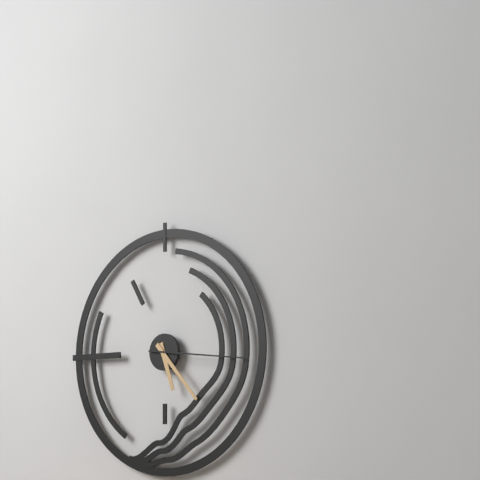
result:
5,23,16
